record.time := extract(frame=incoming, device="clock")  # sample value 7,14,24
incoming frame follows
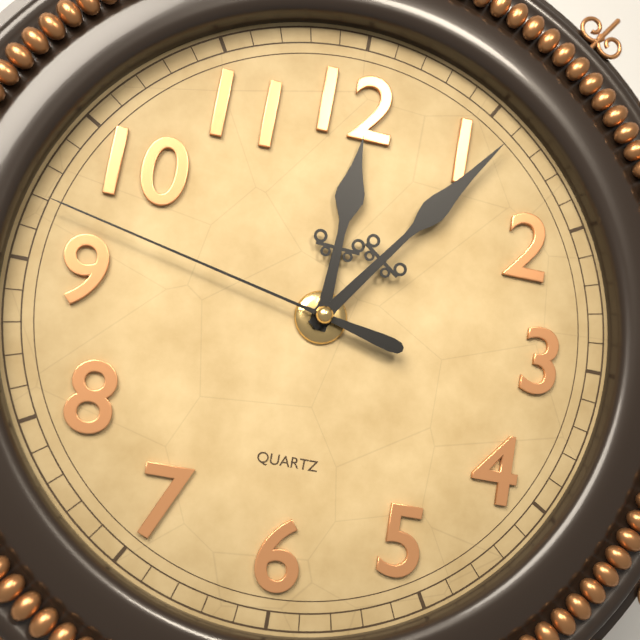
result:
12,06,47
